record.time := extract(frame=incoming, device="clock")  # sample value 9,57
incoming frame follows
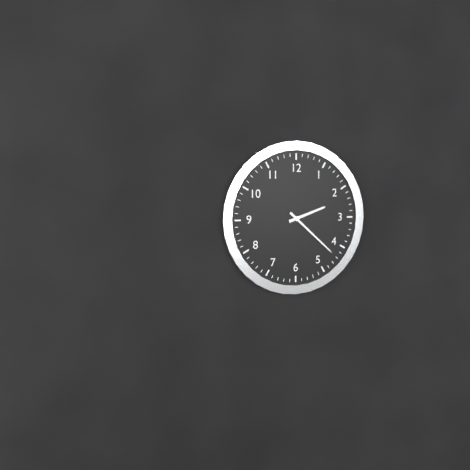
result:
2,22
